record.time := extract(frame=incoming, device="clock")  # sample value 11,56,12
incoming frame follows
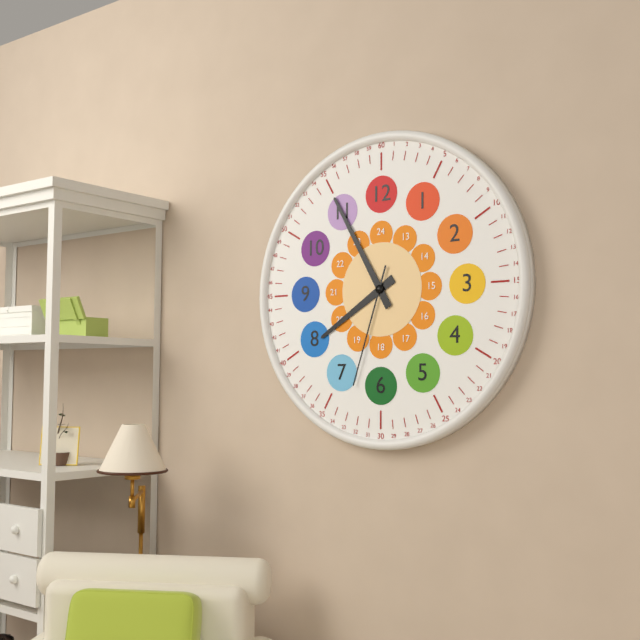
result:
7,55,33
